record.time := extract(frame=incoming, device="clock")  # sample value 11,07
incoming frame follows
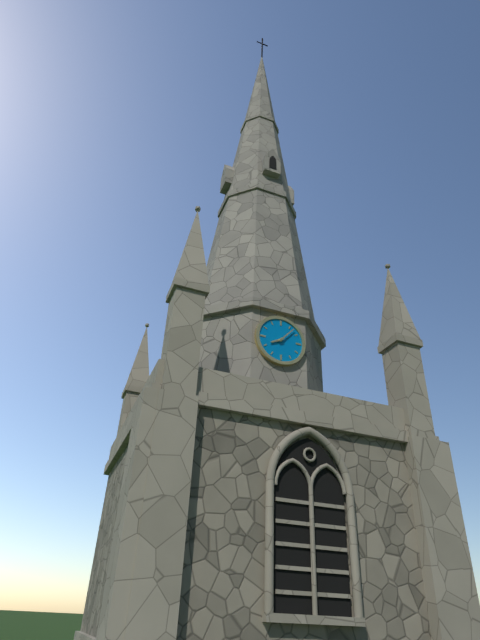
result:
8,07
